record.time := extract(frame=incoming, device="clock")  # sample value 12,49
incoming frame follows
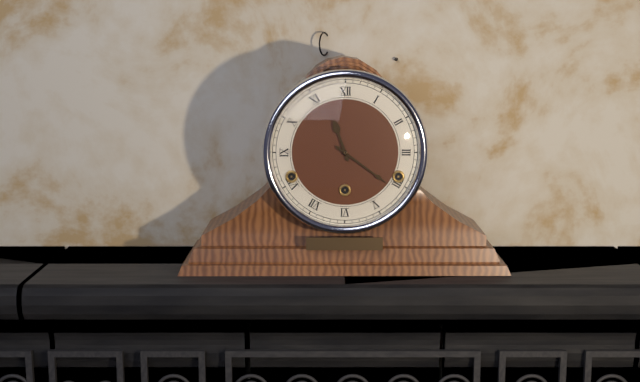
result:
11,21
